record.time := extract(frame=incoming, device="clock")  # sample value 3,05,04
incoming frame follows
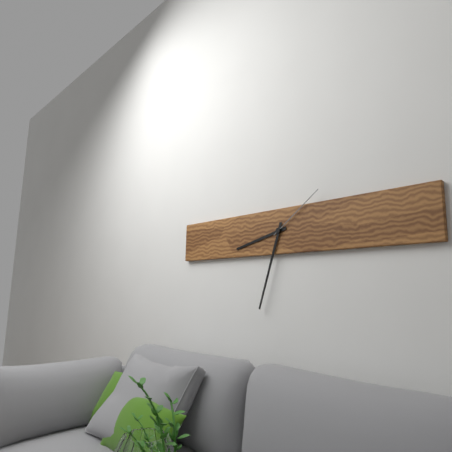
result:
8,33,09
